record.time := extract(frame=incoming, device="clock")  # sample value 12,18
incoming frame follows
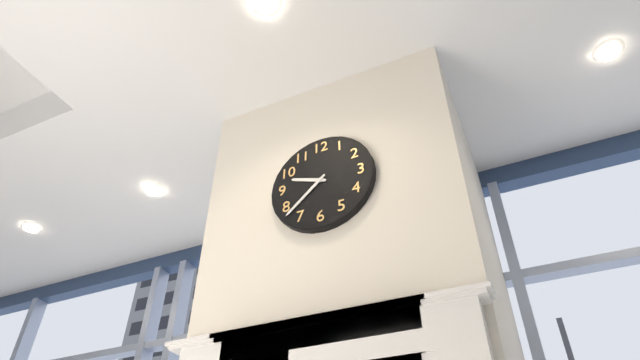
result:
9,38
